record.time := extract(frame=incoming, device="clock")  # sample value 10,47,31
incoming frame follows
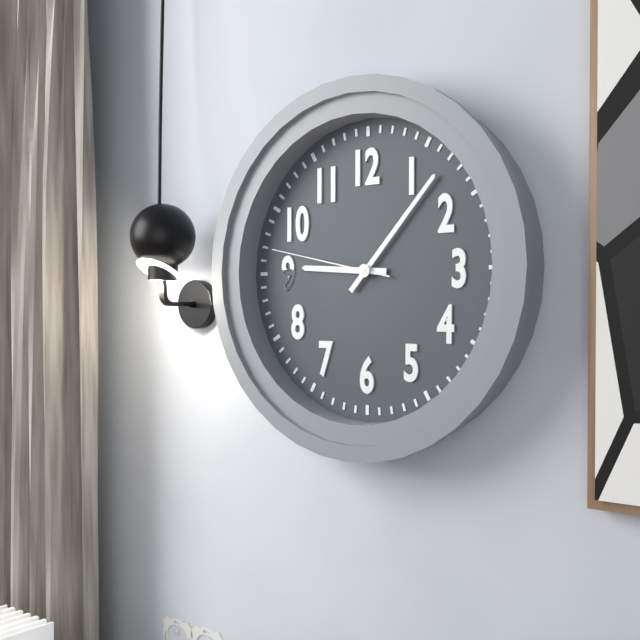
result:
9,07,47
